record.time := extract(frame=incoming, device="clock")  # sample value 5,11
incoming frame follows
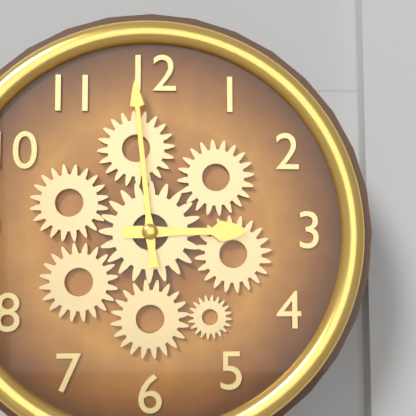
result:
2,59
